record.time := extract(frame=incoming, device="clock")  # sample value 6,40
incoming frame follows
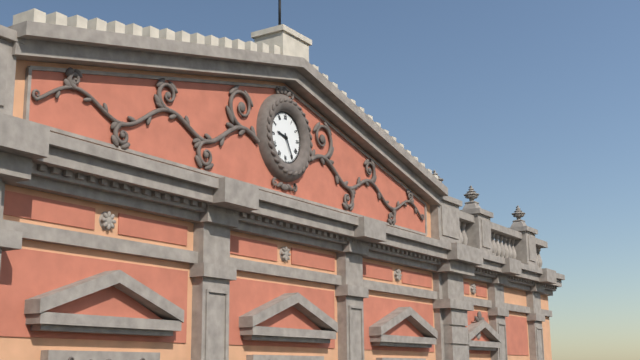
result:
9,25
